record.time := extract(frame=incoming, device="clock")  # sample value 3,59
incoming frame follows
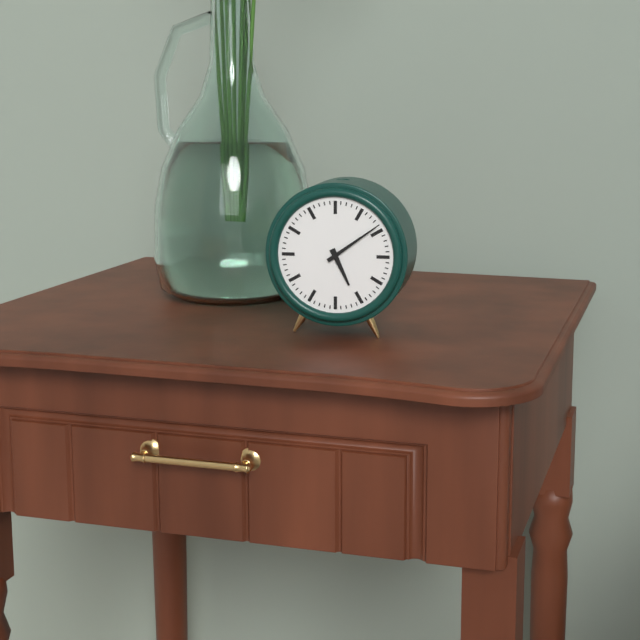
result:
5,09
